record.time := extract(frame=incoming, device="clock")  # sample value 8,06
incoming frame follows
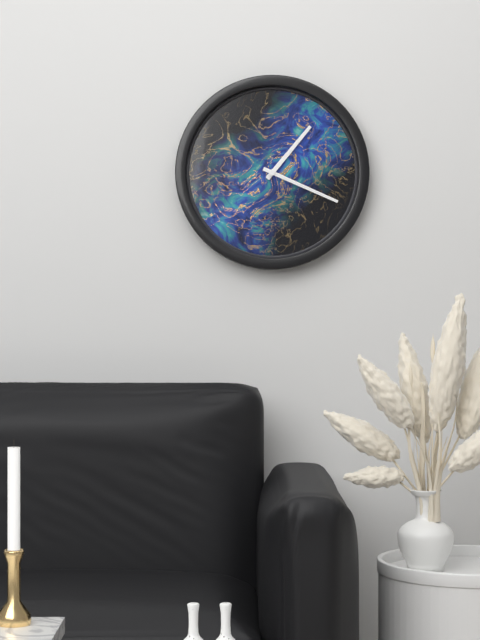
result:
1,19
